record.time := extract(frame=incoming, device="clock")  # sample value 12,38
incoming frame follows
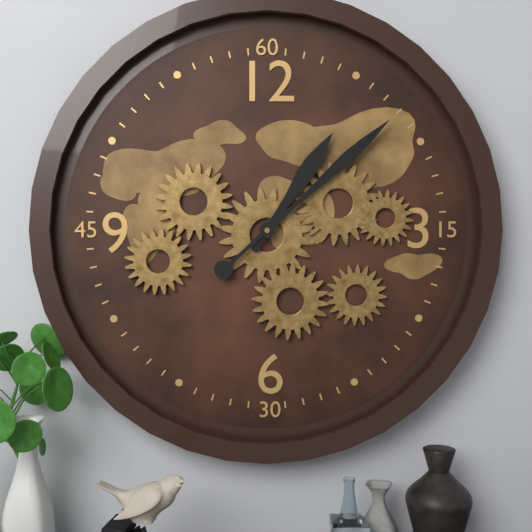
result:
1,08
